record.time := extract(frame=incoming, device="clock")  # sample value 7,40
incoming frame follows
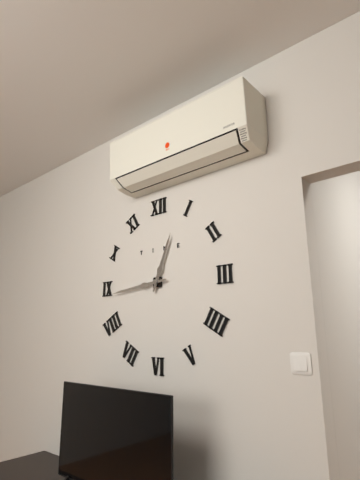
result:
12,44
